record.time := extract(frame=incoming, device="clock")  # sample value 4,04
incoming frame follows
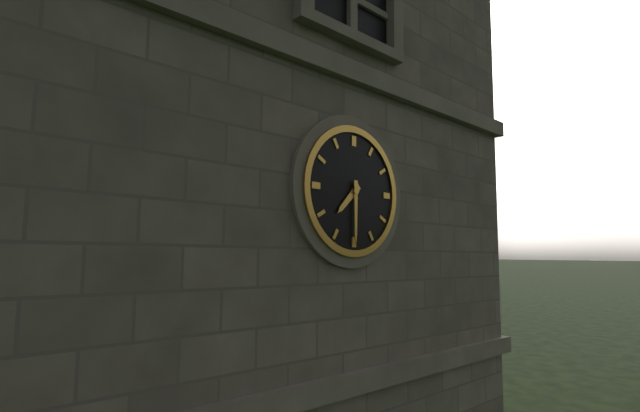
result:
7,30
